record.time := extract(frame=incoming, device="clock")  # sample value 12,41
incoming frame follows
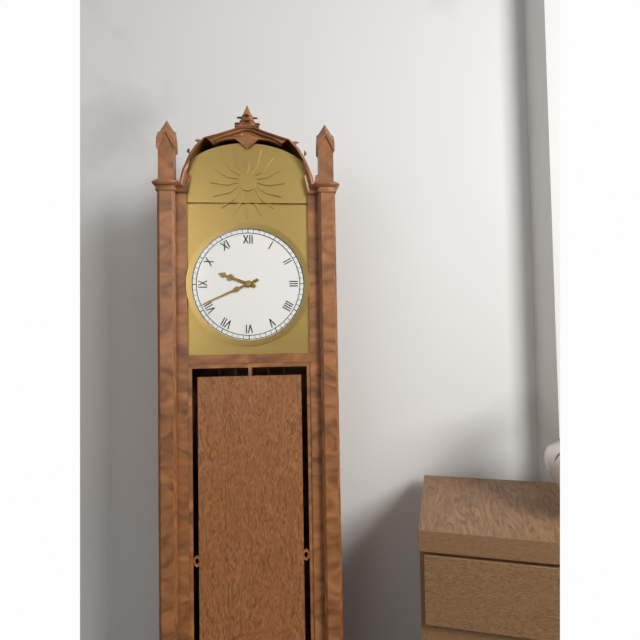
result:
9,41
